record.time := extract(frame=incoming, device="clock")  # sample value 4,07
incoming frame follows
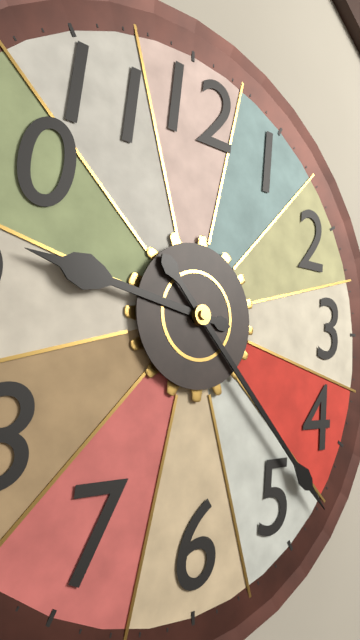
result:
9,23
